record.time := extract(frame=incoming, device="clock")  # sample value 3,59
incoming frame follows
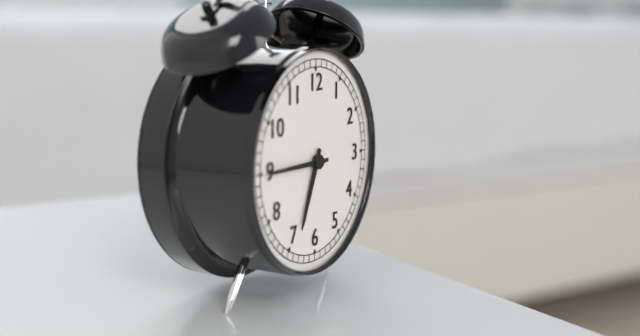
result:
6,45
